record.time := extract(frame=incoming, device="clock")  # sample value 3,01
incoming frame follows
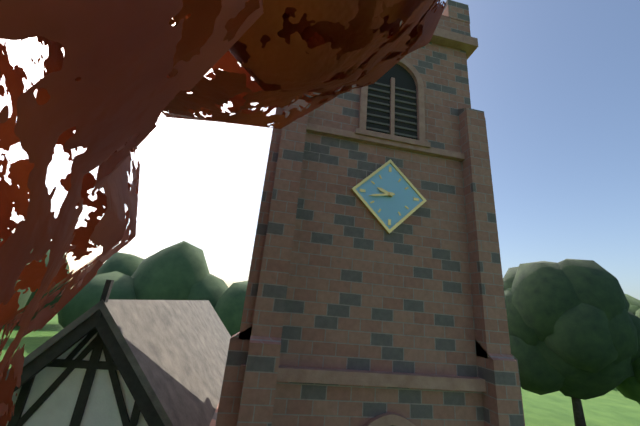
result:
9,43
